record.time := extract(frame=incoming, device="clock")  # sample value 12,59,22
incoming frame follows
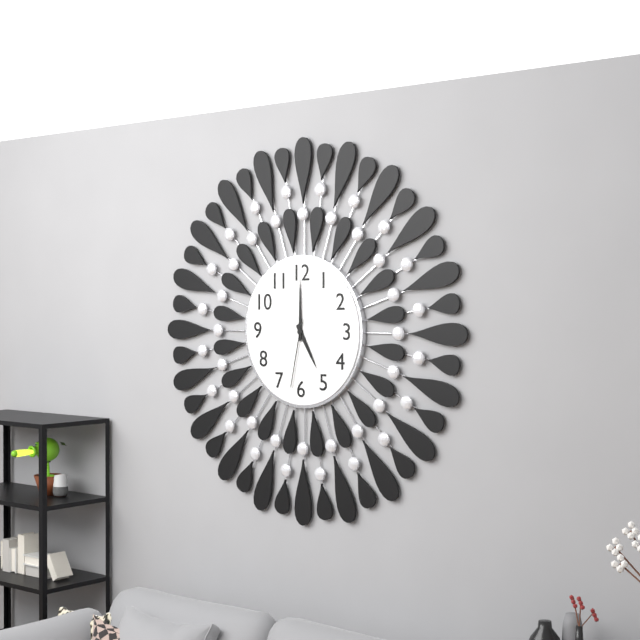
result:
5,00,32
